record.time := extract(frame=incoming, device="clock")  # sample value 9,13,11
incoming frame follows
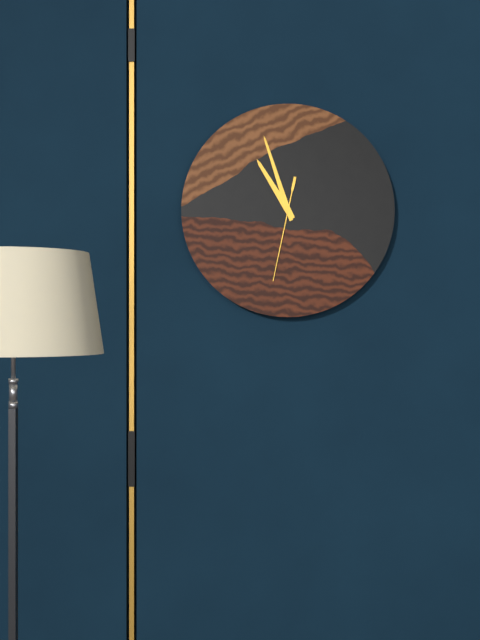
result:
10,57,32
